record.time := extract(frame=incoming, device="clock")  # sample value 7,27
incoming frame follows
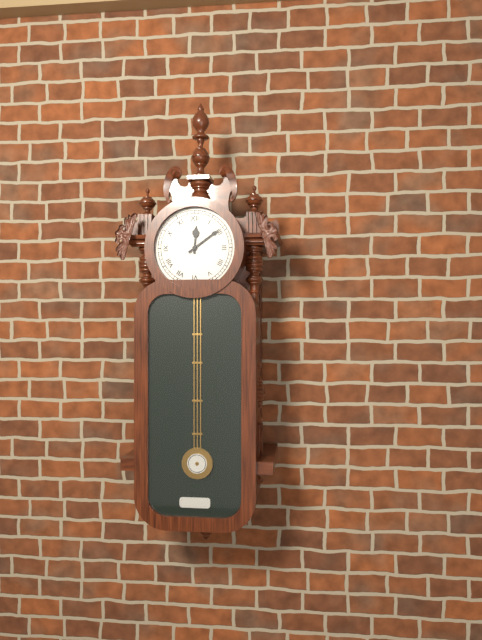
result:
12,09
